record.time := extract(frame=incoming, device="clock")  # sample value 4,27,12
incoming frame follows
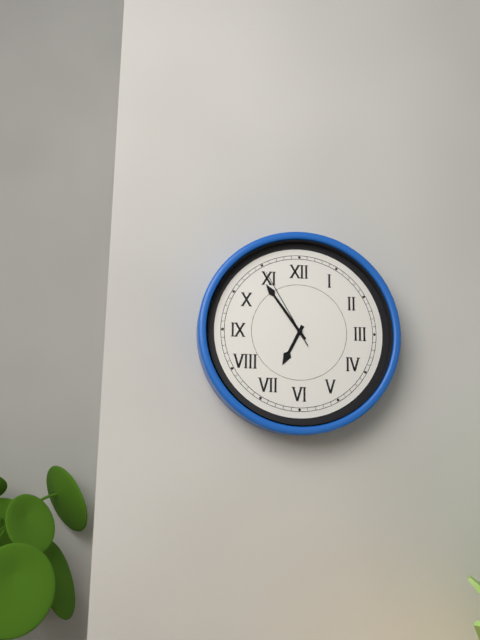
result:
6,54,55
